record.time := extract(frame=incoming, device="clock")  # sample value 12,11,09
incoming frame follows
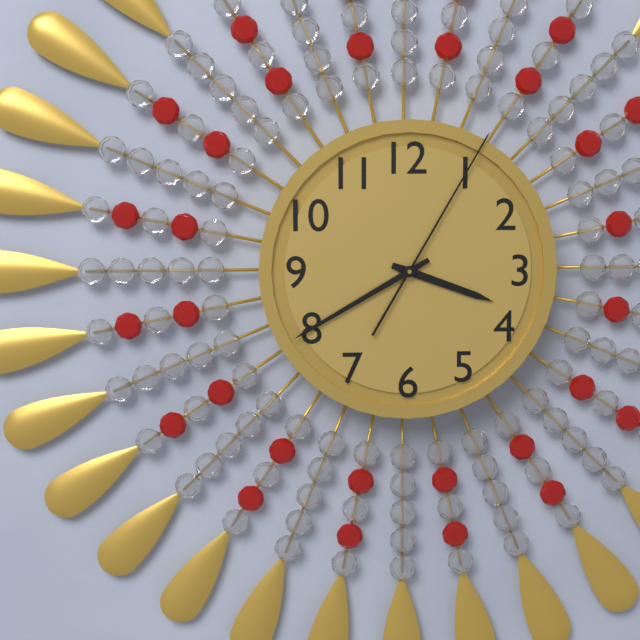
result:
3,40,05
